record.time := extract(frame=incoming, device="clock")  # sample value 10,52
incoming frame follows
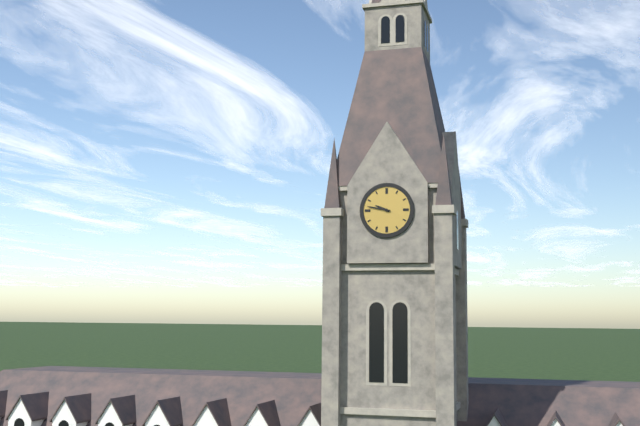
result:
9,47
